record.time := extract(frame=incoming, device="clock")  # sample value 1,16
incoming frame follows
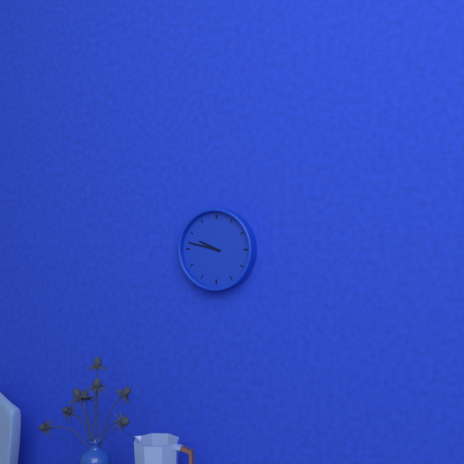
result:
9,47
